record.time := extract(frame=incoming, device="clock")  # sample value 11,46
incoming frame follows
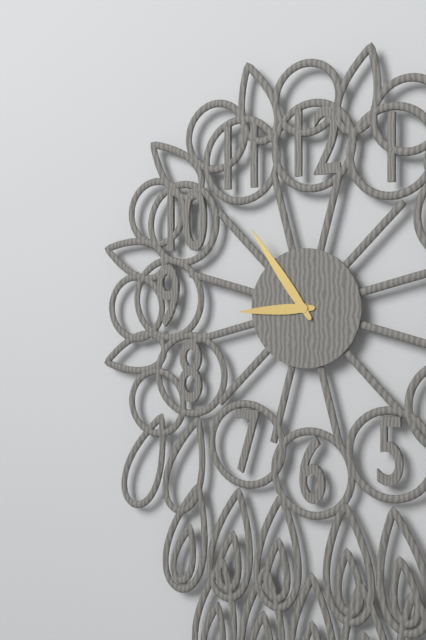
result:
8,54
